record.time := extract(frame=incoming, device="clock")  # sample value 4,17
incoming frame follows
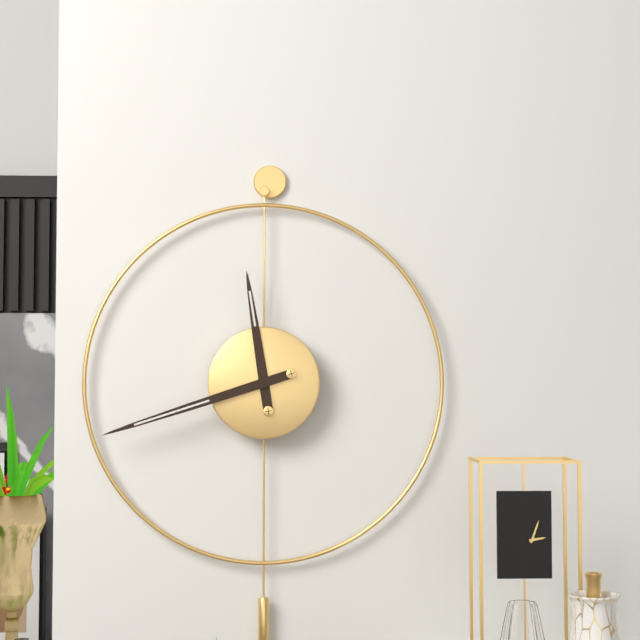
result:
11,42
